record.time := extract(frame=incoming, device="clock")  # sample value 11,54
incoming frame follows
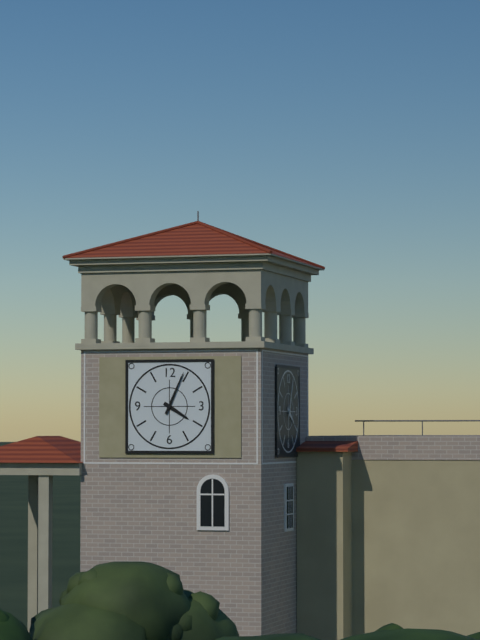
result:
4,04
